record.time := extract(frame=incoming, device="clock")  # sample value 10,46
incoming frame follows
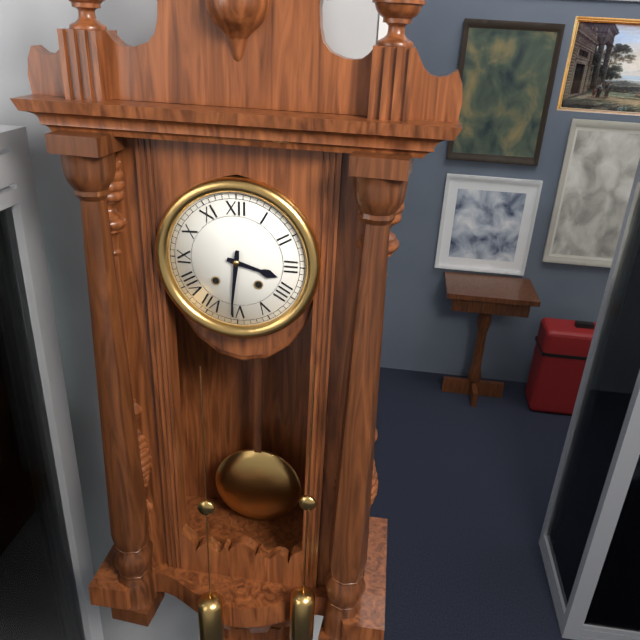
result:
3,31
